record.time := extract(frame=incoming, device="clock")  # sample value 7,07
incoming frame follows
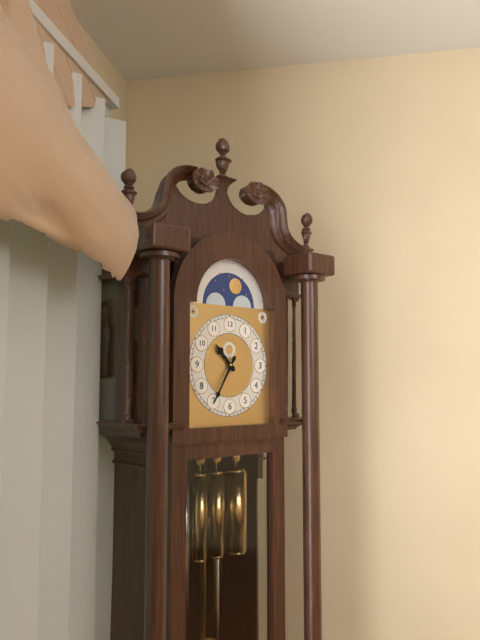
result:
10,35
